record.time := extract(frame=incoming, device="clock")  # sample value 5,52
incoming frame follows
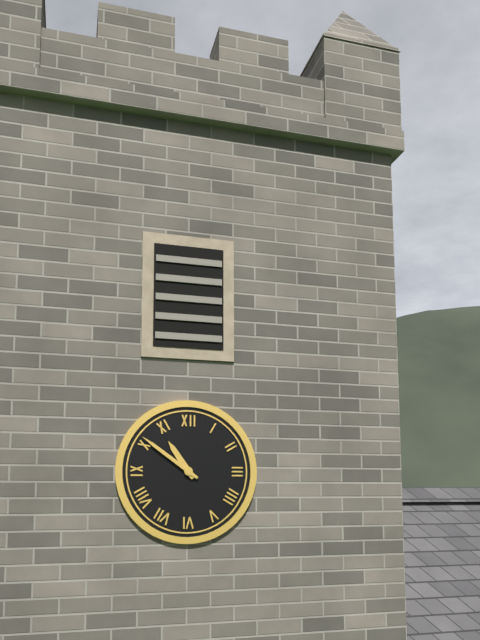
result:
10,51
